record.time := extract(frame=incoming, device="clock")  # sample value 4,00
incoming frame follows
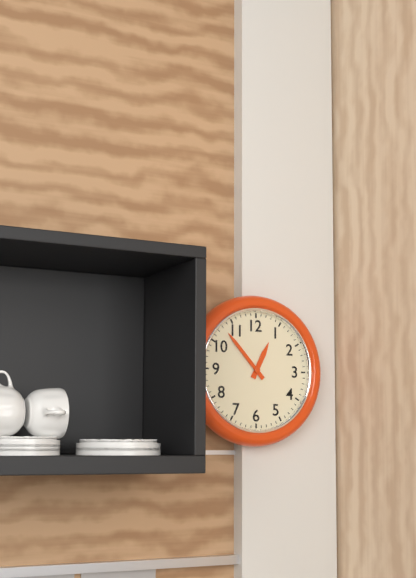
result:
12,53
